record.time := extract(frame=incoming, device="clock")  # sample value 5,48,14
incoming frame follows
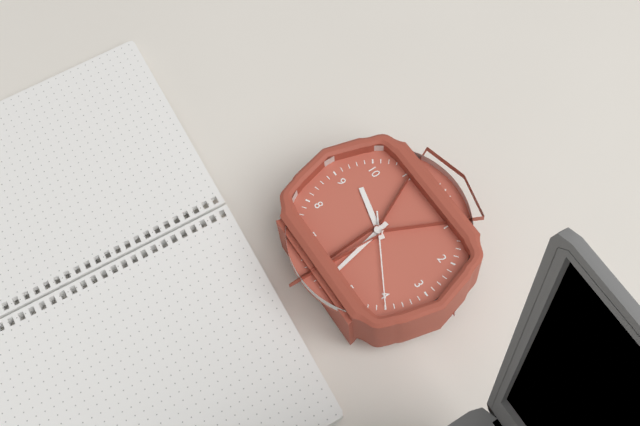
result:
9,28,20
